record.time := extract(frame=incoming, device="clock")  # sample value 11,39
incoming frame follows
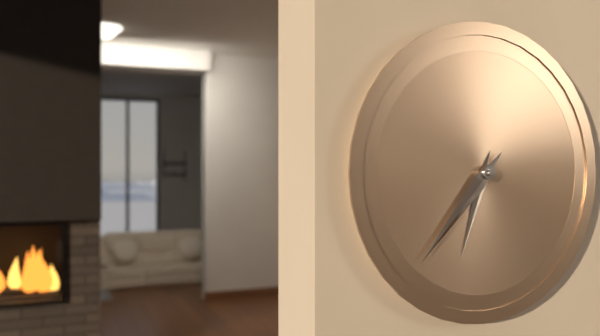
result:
6,37
